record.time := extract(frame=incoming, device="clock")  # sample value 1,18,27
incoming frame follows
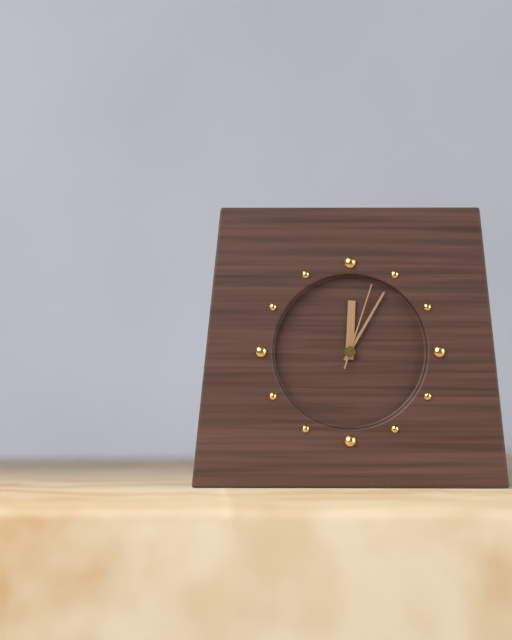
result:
12,05,03
